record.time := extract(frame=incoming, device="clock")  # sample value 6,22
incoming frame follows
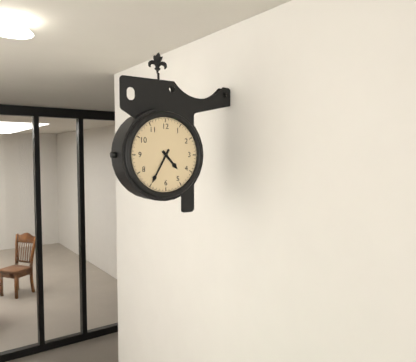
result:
4,35
